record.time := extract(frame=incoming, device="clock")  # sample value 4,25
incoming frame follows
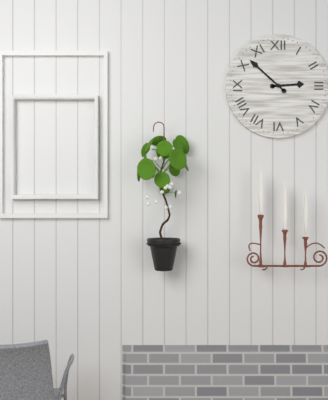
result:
2,52
